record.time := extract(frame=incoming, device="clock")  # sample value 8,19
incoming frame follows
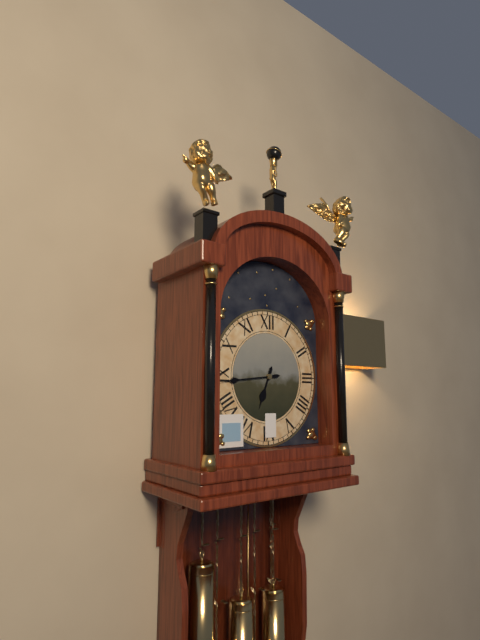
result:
6,44
